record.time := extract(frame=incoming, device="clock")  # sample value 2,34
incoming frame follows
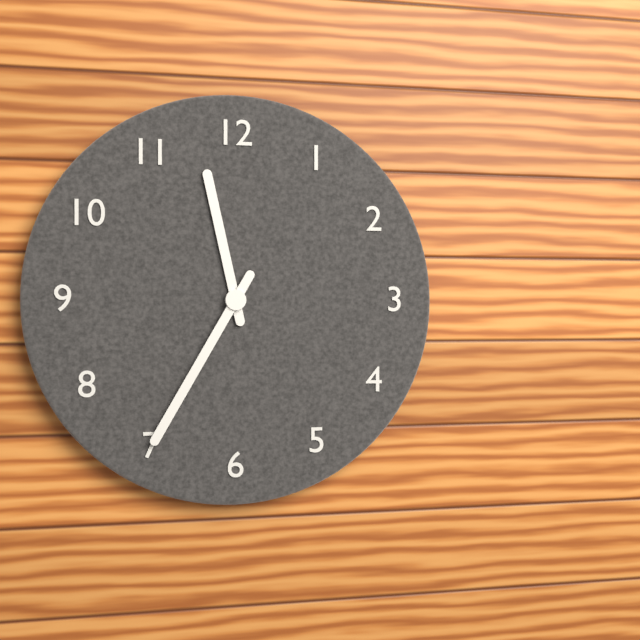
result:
11,35
